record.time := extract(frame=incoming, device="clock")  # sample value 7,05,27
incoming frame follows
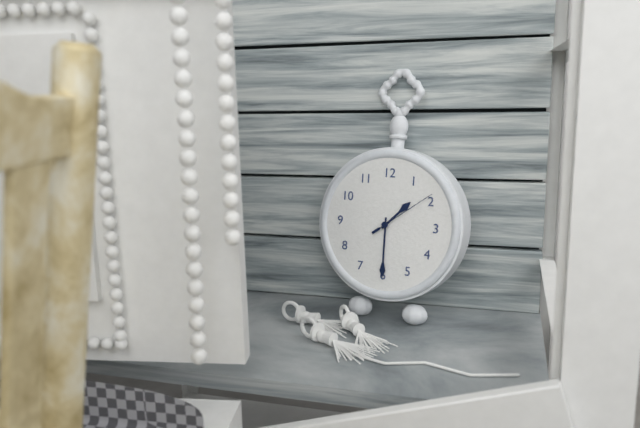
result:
1,30,09
